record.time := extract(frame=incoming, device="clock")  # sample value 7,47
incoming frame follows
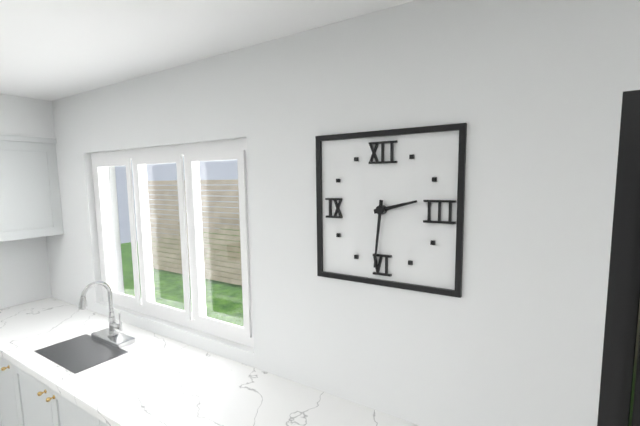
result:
2,31
